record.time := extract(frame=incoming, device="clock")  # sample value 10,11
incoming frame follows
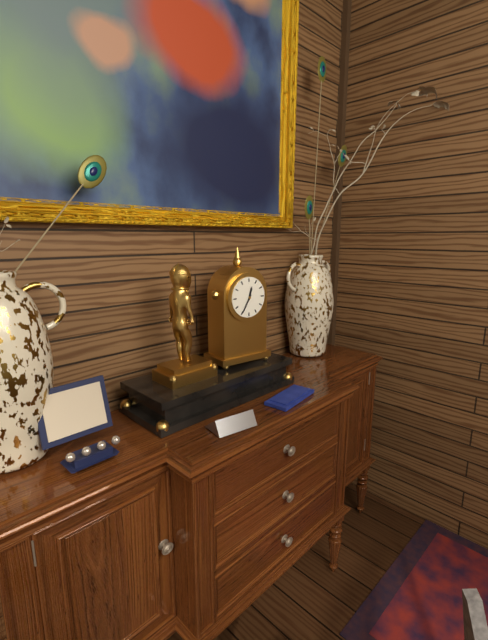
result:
12,35
